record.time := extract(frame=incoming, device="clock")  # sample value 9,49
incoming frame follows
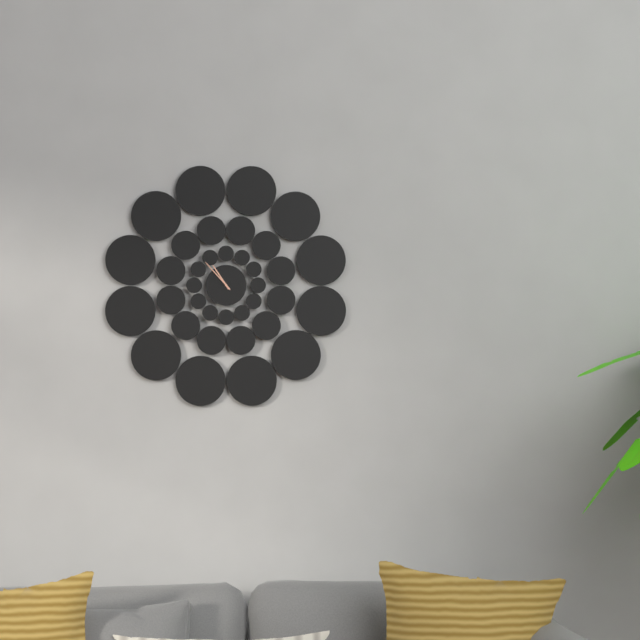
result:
10,53
